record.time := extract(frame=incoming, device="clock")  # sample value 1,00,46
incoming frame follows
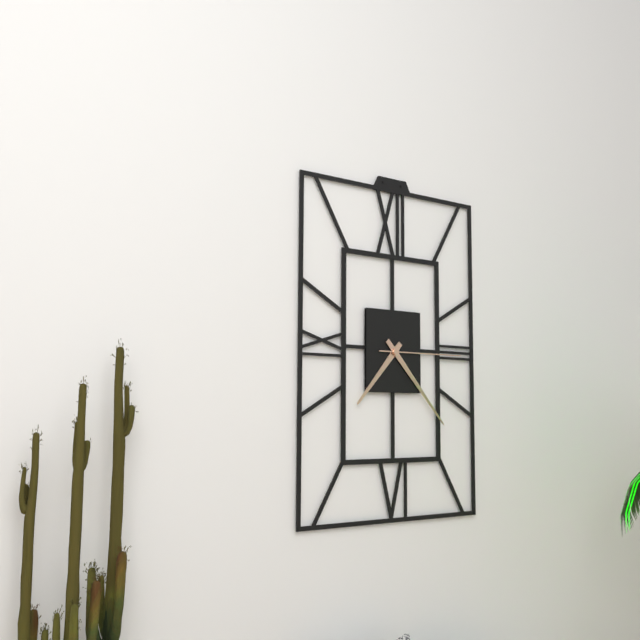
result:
7,23,15
